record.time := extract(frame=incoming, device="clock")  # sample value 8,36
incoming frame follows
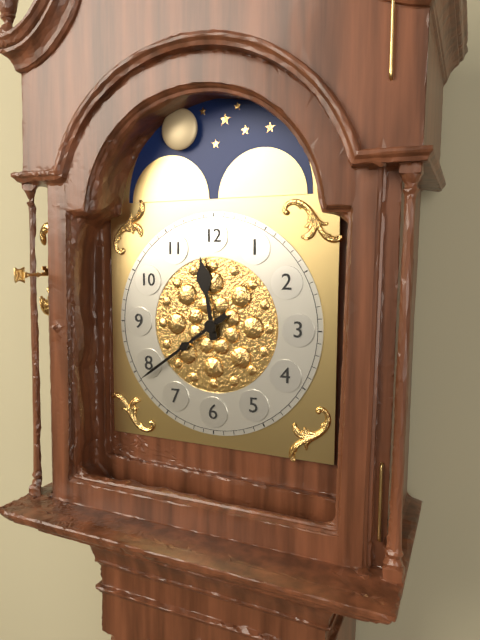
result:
11,39
